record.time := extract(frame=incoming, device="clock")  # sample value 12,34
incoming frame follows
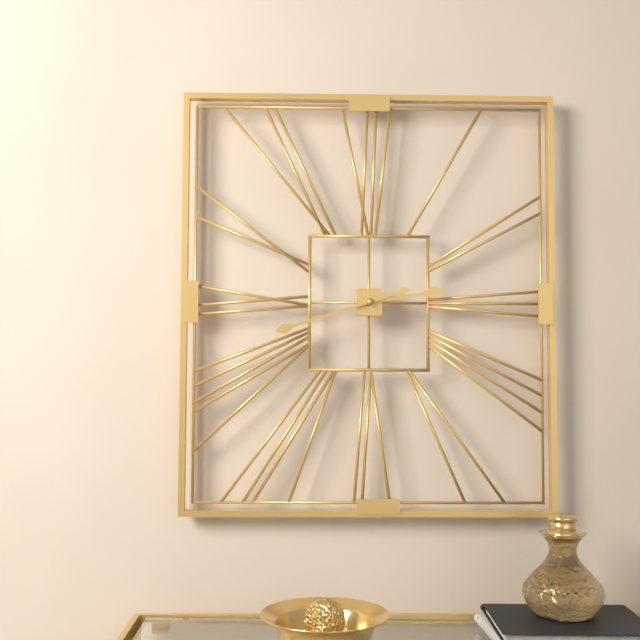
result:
2,42
